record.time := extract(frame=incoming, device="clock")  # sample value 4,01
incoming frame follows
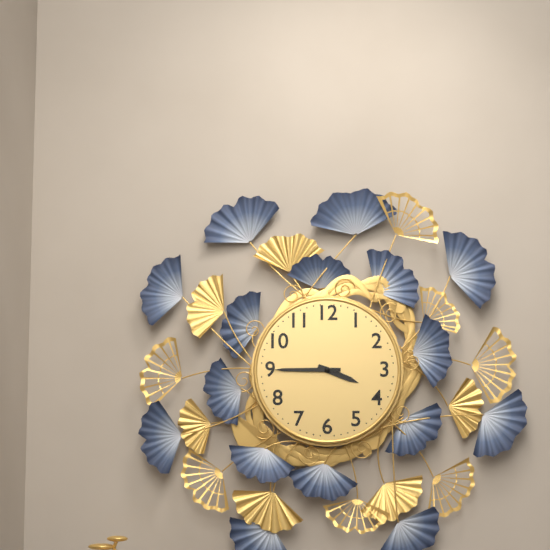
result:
3,45
